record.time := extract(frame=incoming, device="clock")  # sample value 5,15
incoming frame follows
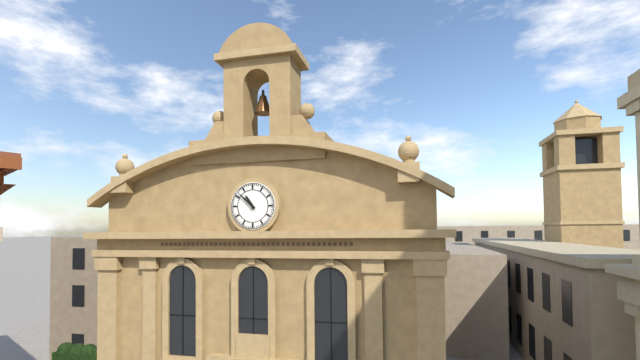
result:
10,52
